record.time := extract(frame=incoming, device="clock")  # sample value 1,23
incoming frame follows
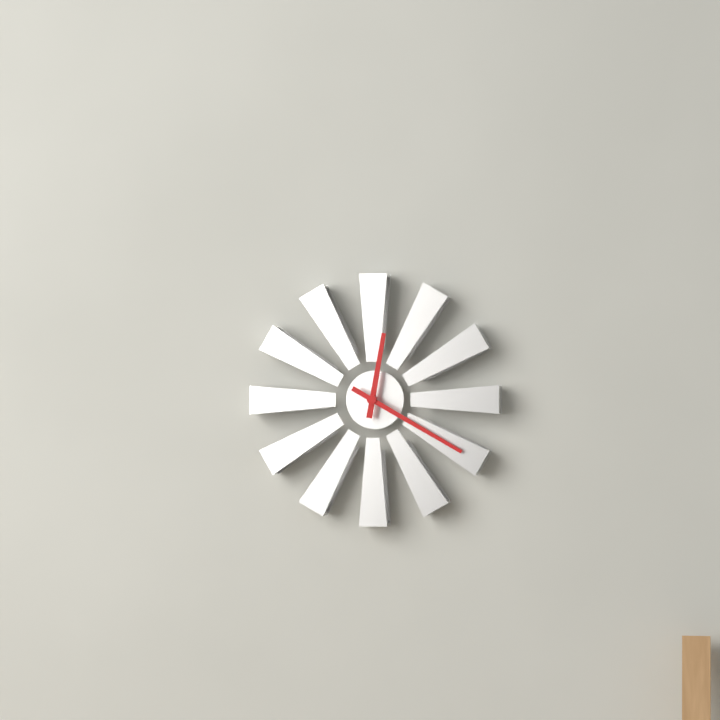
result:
12,20
